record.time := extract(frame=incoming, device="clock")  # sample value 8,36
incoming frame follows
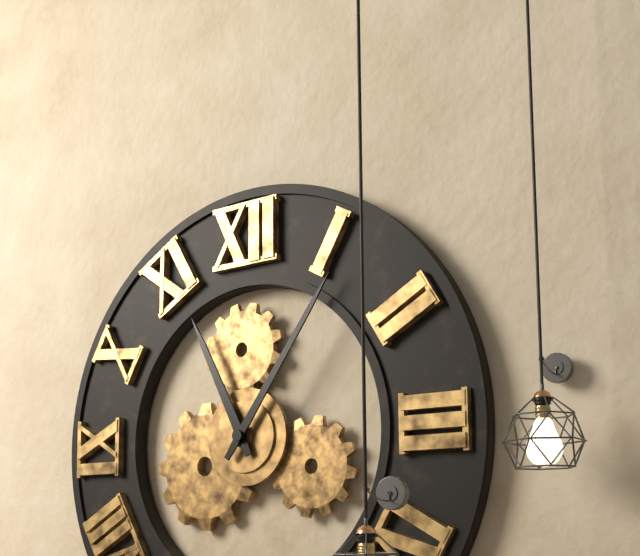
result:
11,06
